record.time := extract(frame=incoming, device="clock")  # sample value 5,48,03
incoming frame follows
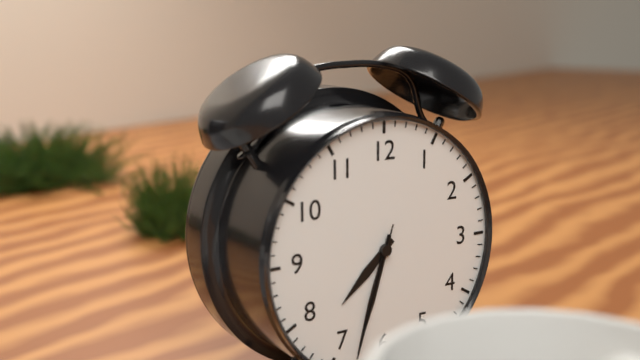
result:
7,33,33
